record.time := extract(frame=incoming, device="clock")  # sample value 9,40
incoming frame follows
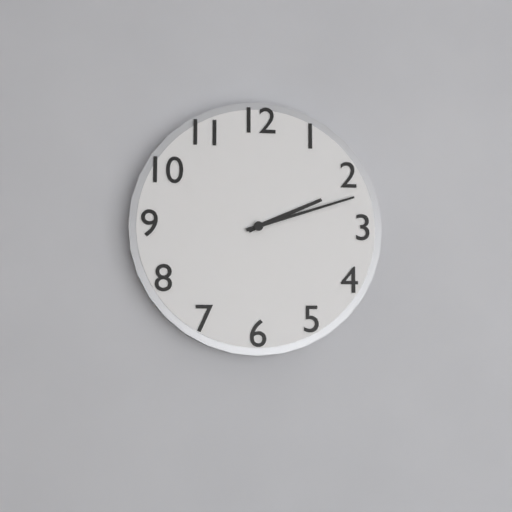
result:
2,12
